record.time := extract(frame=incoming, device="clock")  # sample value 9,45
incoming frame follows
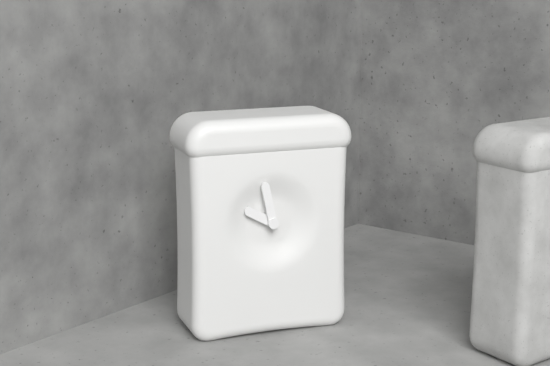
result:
9,58
